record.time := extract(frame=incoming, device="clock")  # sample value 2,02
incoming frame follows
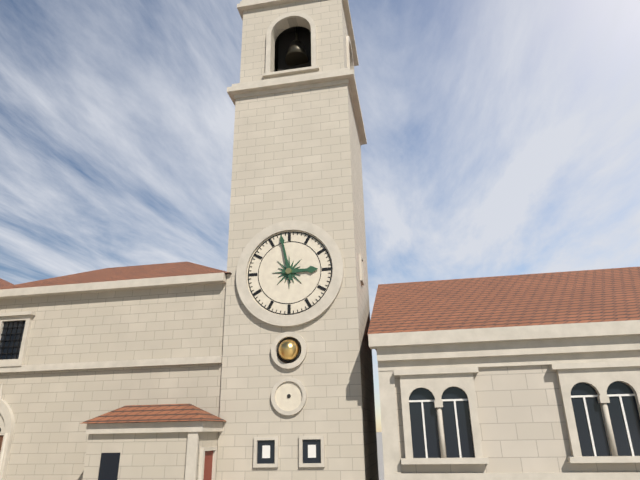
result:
2,58
